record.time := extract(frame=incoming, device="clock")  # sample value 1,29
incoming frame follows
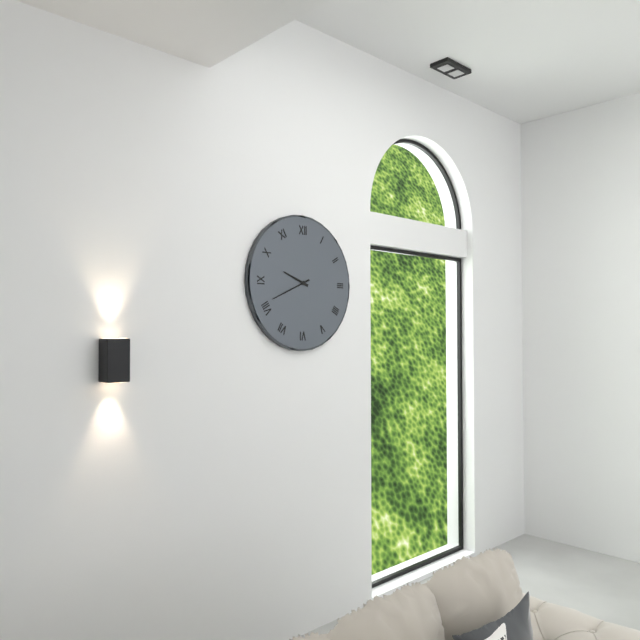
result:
9,41
